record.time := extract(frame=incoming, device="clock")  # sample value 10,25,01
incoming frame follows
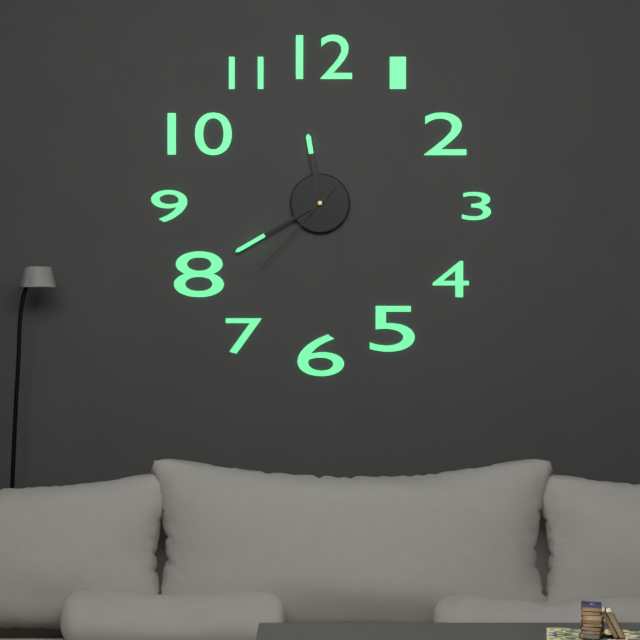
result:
11,40,37
